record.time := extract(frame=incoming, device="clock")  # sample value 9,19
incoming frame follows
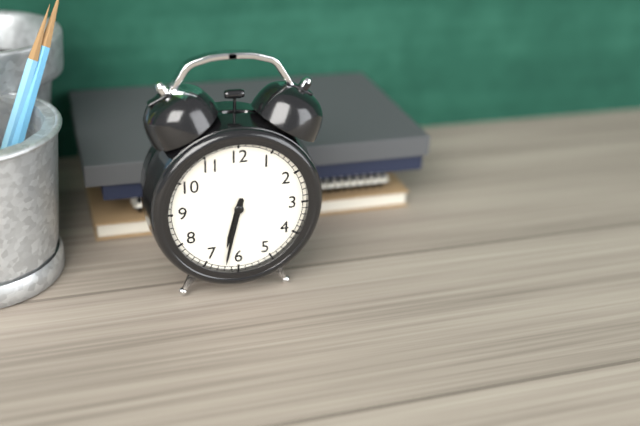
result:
6,32
